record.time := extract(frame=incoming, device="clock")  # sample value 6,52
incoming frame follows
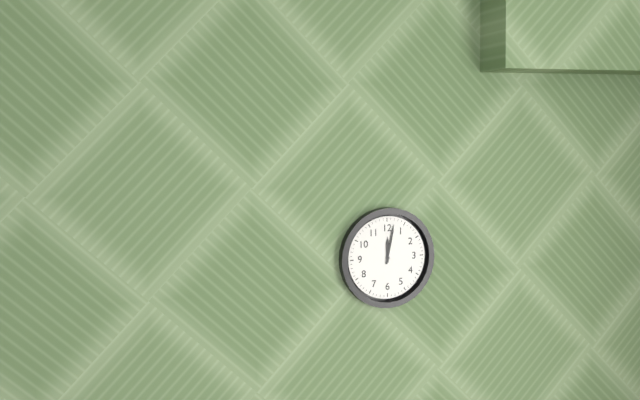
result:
12,02
